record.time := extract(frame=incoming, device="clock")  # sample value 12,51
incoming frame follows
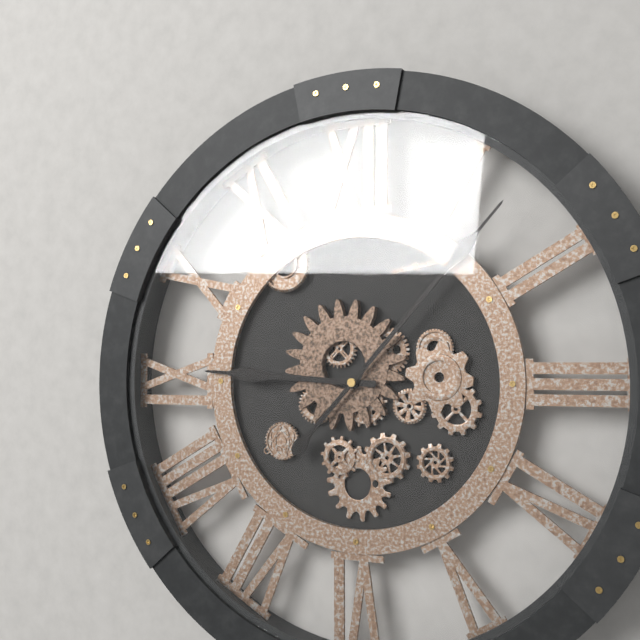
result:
9,07
